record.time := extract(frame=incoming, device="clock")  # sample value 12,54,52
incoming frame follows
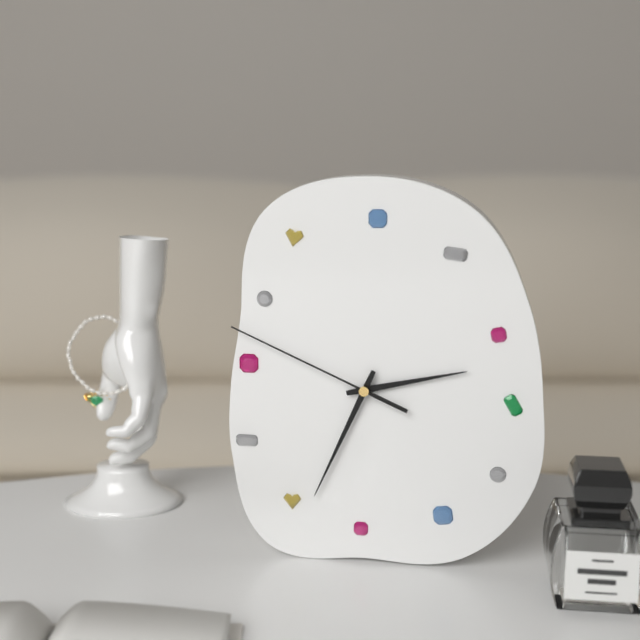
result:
2,34,49
